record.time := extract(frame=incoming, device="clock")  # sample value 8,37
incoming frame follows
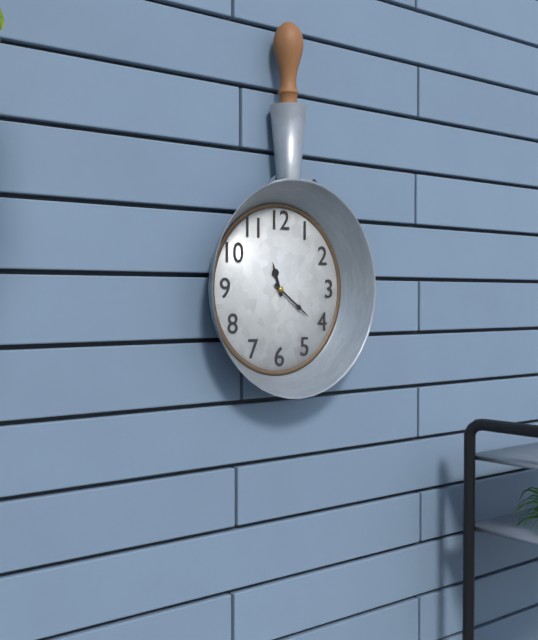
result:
11,21
